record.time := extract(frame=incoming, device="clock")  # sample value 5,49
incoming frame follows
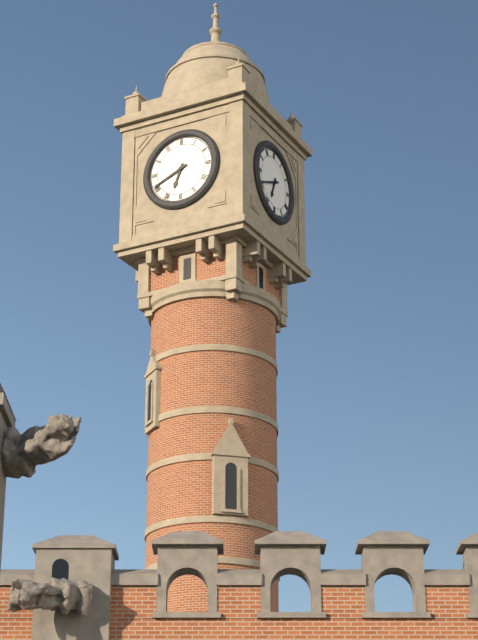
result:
6,41
